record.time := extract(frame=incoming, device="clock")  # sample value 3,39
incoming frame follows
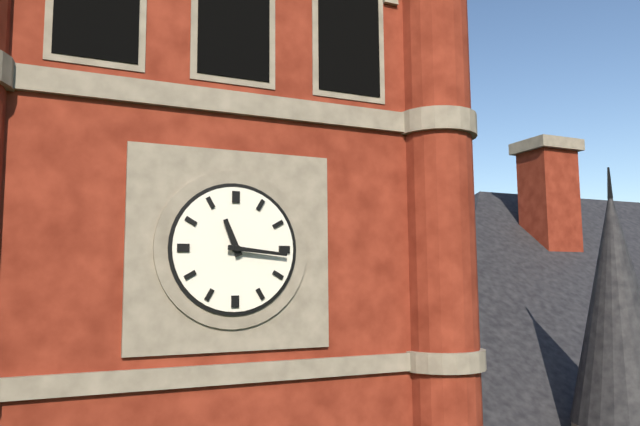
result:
11,16
